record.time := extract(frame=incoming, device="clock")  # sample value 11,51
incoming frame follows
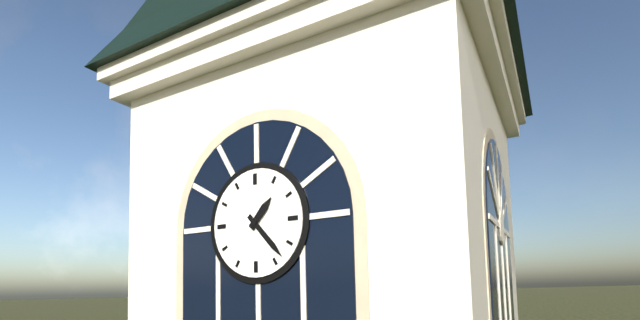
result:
1,23
